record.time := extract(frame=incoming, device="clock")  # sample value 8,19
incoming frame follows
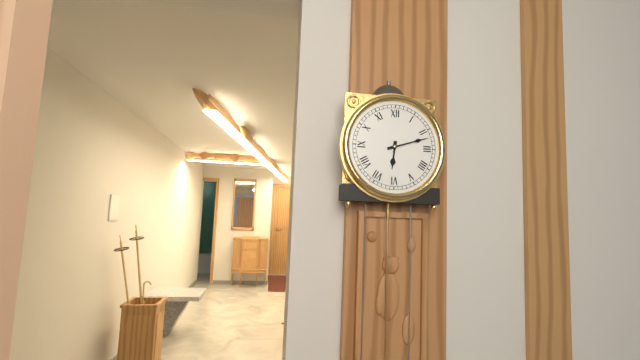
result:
6,12
